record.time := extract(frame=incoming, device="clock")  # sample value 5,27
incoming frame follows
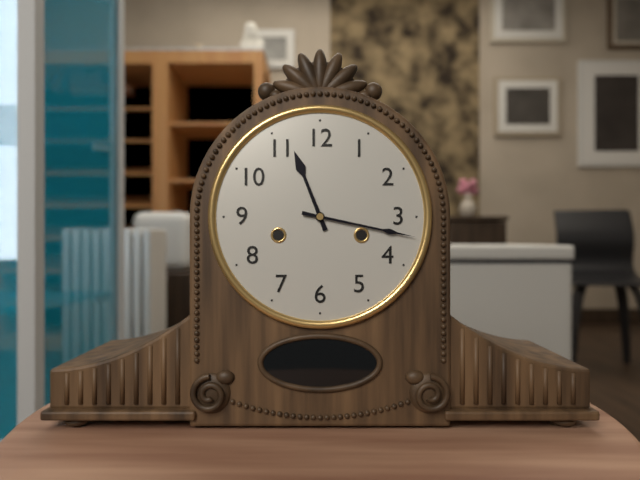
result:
11,17
